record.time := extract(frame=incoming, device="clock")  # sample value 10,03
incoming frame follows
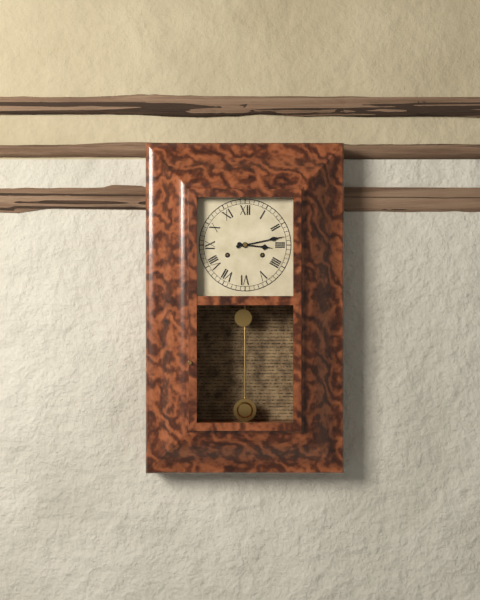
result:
3,13
